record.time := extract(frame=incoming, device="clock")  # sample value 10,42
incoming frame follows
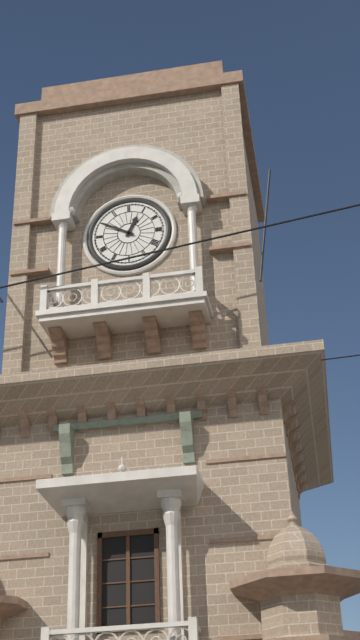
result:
12,50
